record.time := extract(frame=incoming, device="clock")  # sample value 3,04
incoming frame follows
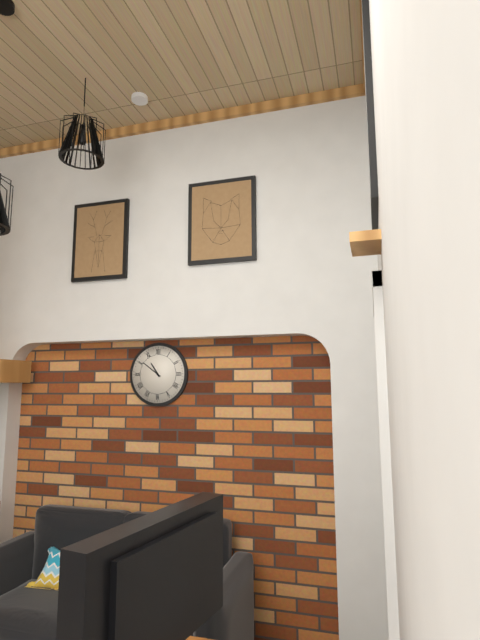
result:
10,51
